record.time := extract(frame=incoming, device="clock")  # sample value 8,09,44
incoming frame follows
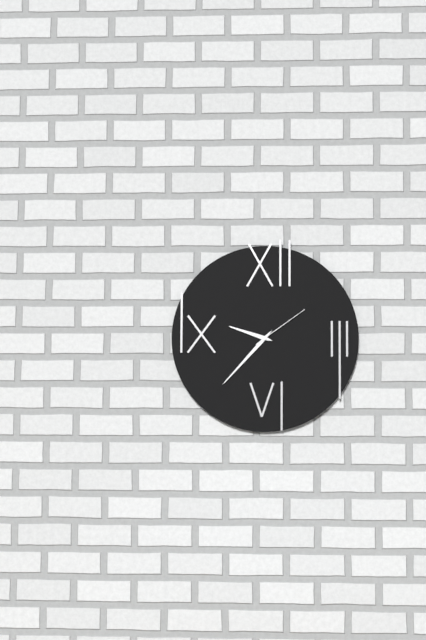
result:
9,37,09
